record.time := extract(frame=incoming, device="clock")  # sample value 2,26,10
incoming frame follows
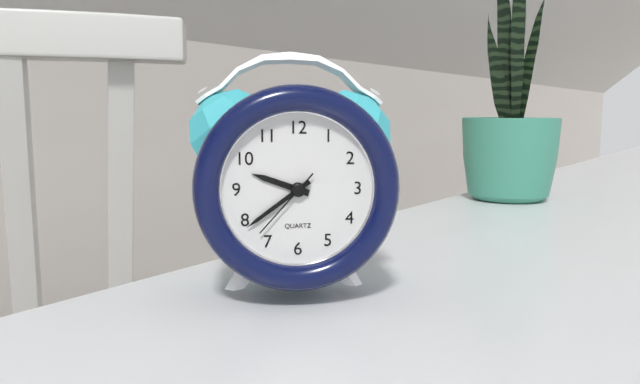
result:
9,39,37
